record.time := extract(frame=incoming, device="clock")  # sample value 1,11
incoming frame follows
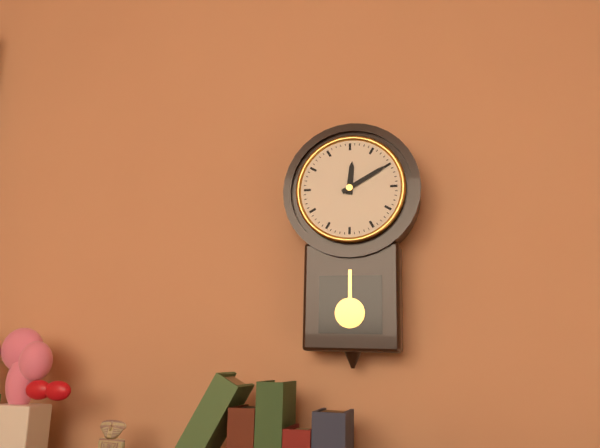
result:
12,10
